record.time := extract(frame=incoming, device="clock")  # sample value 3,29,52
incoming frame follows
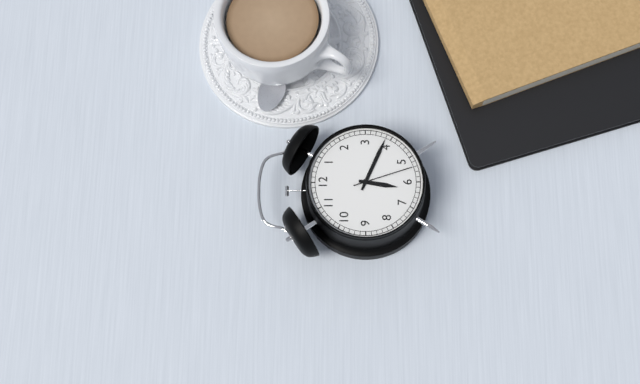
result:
6,19,27
